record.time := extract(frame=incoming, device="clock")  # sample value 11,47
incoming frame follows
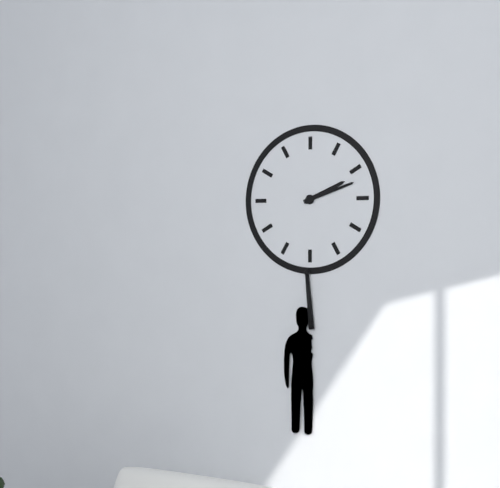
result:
2,12
